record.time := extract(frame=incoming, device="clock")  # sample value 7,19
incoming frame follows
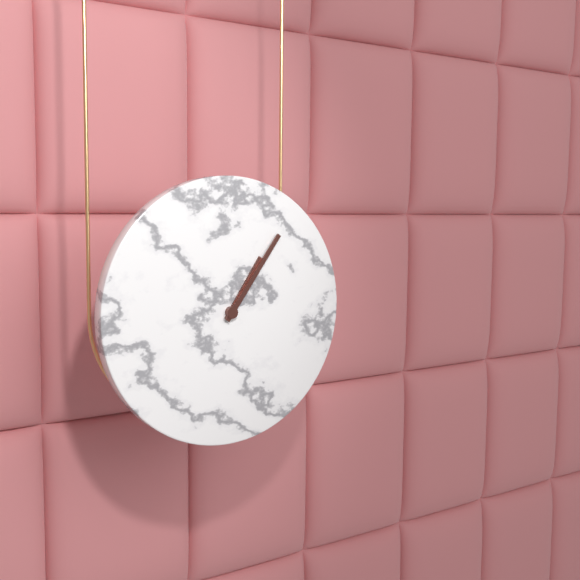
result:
1,06
